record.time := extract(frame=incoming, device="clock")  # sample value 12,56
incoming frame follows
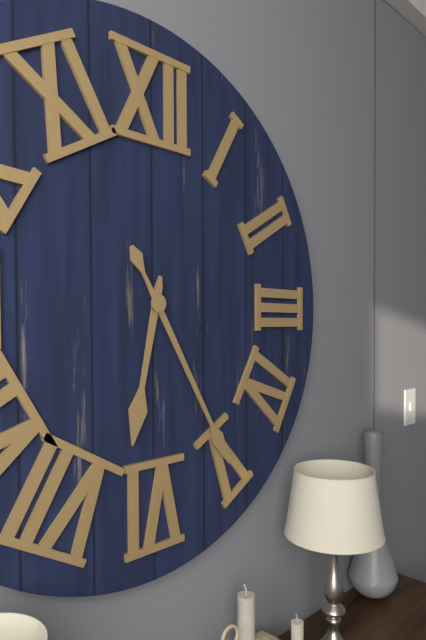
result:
6,25
